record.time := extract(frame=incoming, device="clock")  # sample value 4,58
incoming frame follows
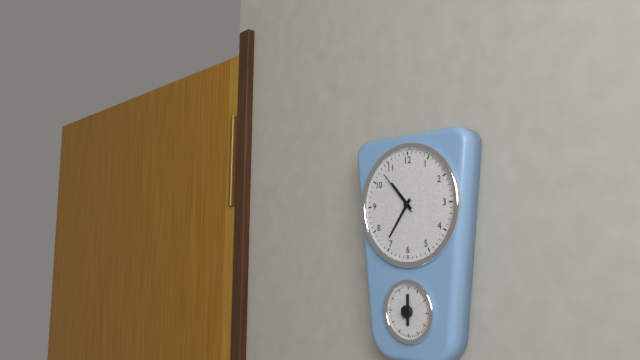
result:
10,36
